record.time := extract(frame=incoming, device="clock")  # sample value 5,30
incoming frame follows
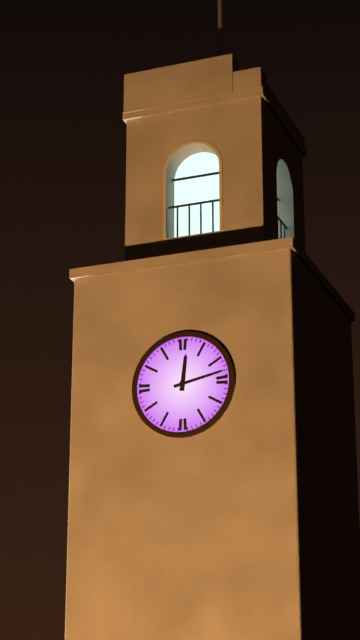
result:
12,13
